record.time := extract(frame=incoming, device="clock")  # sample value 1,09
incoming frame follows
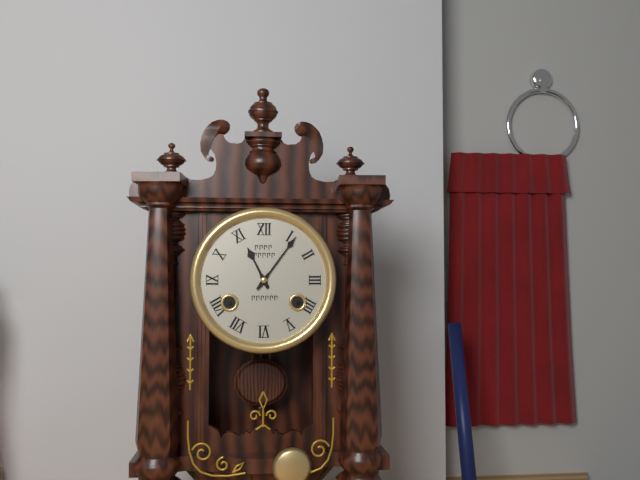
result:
11,06
